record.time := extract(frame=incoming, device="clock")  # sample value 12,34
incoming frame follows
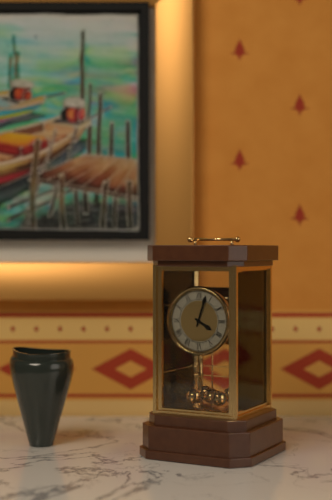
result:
4,03
